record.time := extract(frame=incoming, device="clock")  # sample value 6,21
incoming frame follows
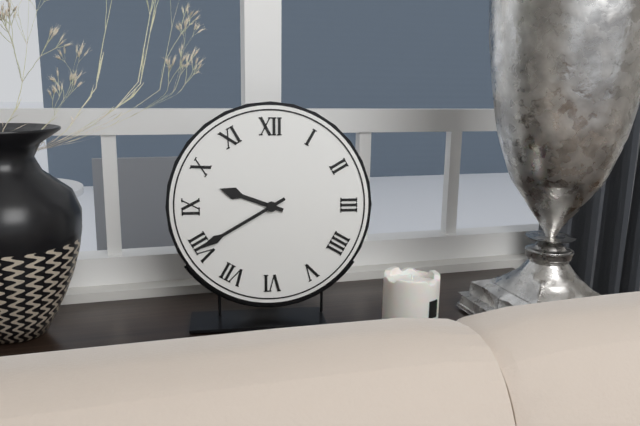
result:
9,40
